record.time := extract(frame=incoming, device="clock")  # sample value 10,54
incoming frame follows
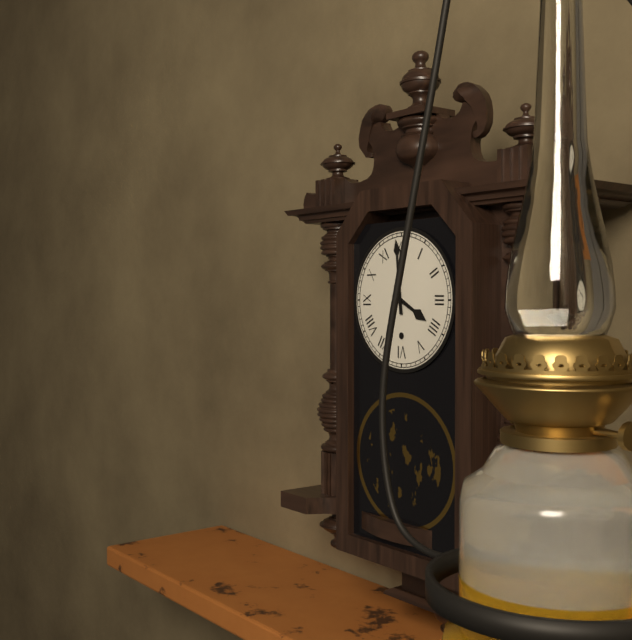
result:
3,59
